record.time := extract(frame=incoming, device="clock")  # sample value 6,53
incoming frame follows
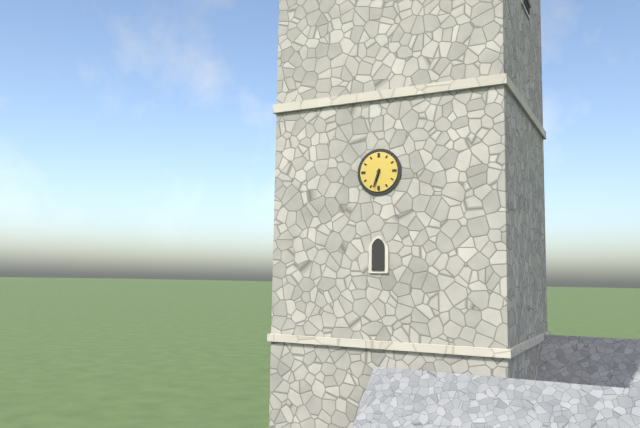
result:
6,33
